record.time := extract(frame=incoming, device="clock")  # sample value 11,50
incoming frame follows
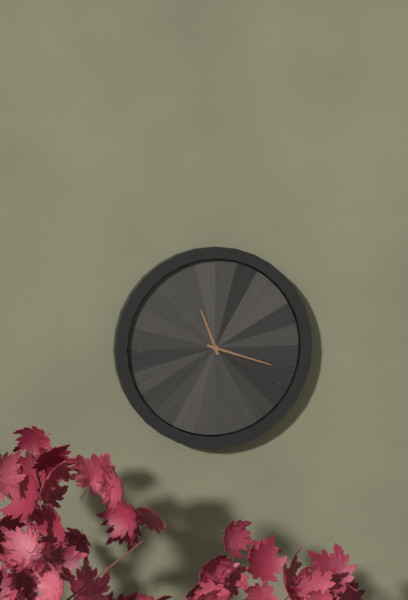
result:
11,18
